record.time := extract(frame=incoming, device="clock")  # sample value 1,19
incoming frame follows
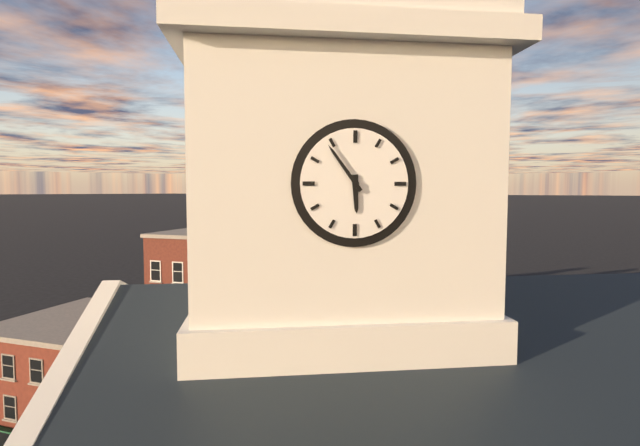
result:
5,54
